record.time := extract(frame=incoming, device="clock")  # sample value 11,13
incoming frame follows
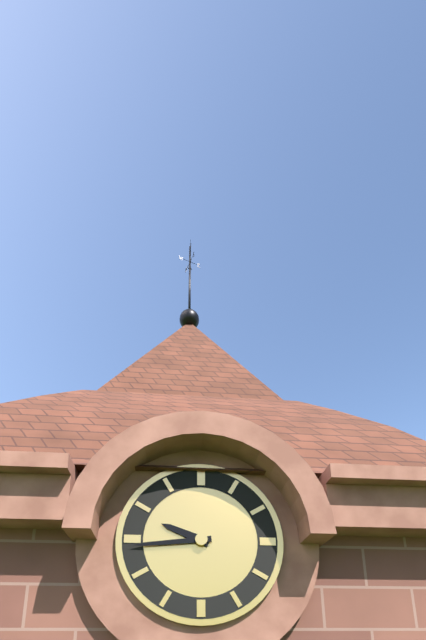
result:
9,44
